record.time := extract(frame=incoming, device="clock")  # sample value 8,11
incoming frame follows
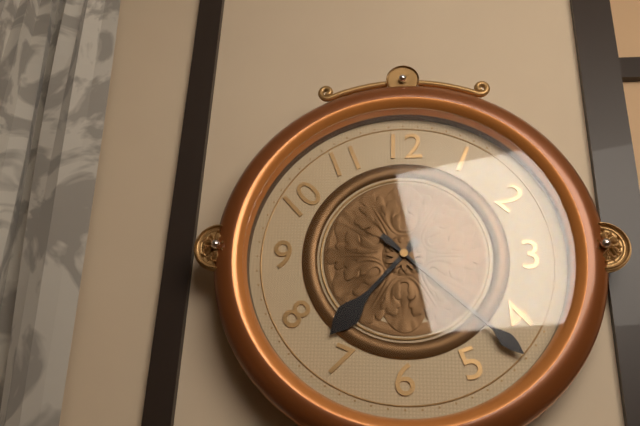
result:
7,22
